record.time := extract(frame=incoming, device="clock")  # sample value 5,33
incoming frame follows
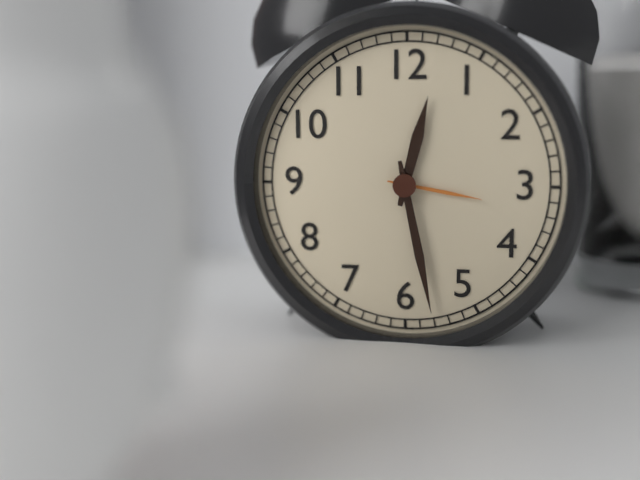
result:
12,28
